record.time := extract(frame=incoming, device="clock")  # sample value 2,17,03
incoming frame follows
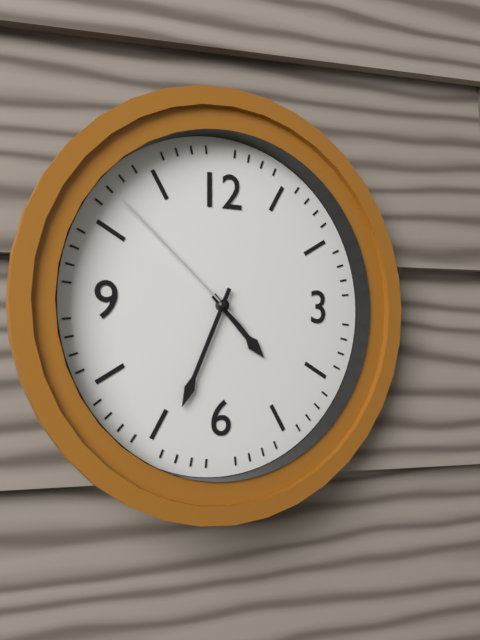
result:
4,34,52
